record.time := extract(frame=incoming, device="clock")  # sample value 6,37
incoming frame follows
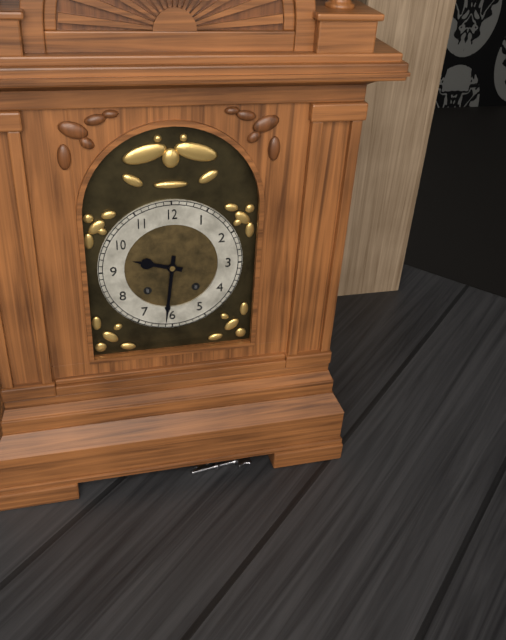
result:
9,31
